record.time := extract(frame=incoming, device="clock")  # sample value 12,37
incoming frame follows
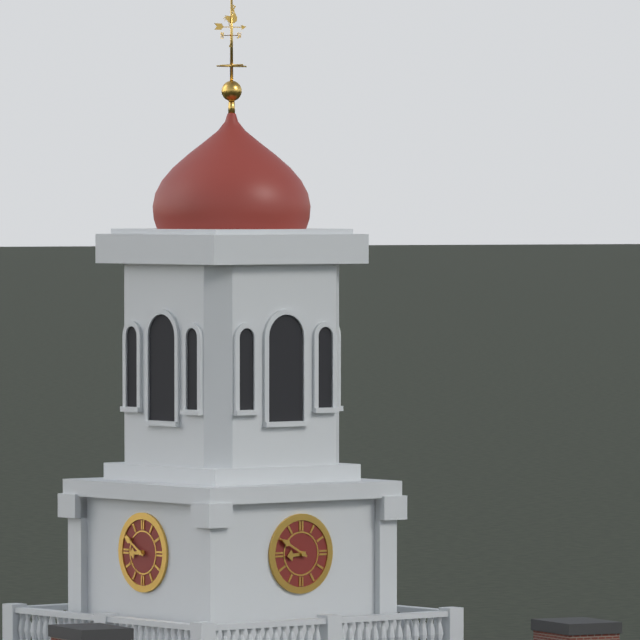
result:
8,50
